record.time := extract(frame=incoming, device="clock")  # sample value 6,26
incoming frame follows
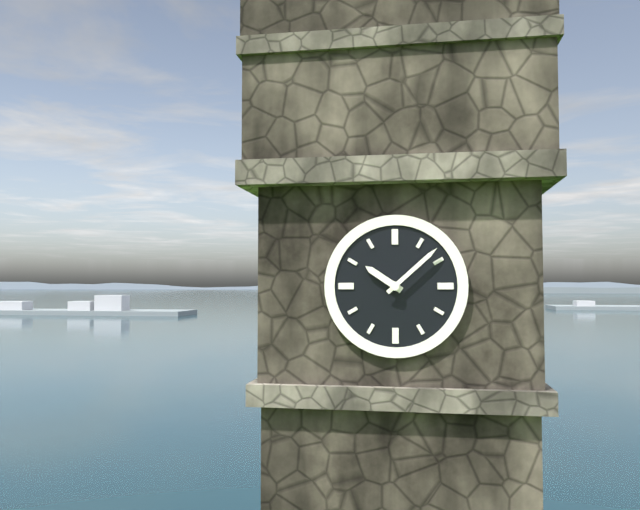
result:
10,08
